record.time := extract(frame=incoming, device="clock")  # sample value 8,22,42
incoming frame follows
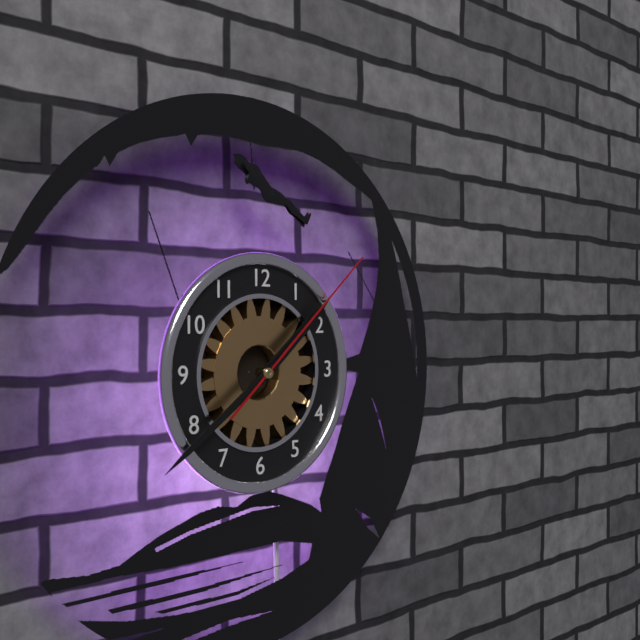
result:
1,39,08
